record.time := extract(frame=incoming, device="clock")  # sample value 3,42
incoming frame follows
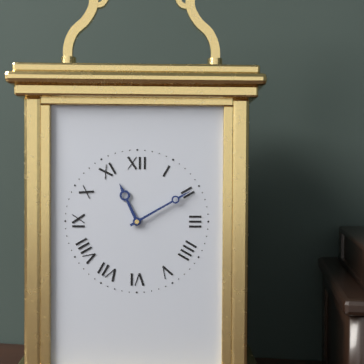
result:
11,10
